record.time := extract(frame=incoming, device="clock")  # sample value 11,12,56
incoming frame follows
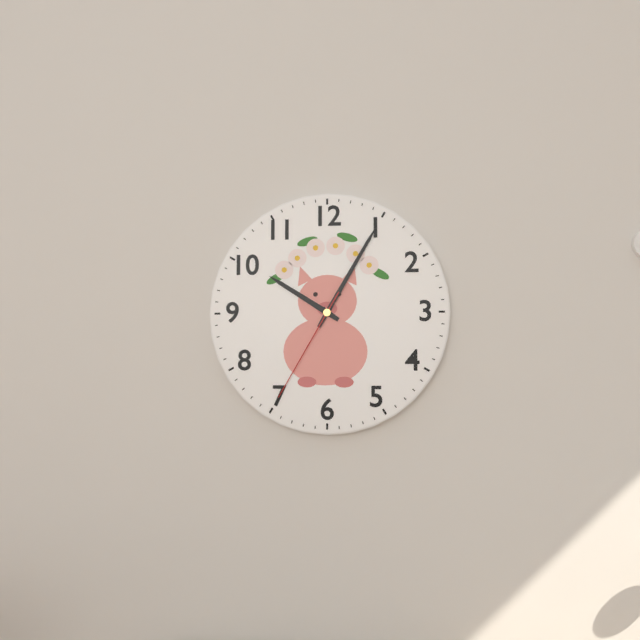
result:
10,05,35
